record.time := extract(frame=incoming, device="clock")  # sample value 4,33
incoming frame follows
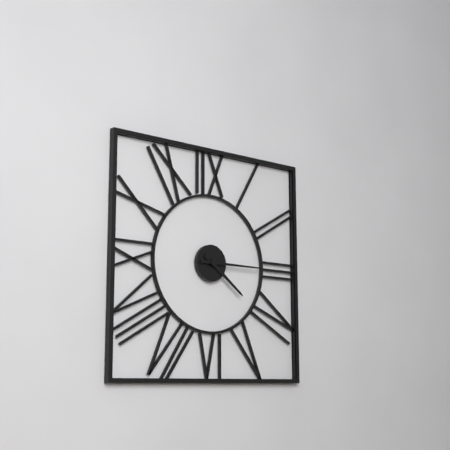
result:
4,15
